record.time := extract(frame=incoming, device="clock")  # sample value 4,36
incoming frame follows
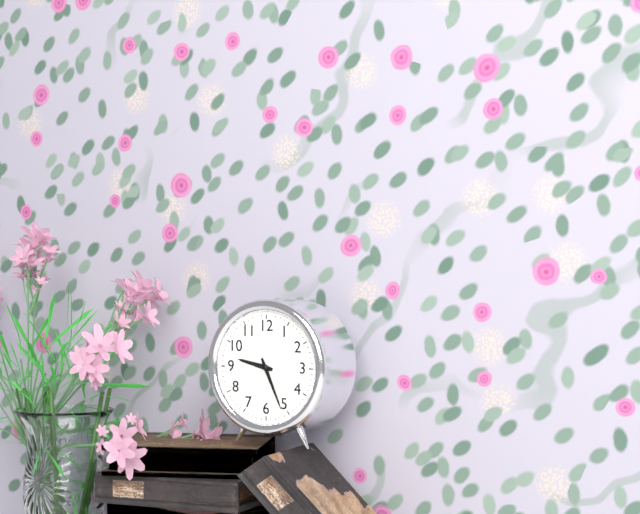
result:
9,26
